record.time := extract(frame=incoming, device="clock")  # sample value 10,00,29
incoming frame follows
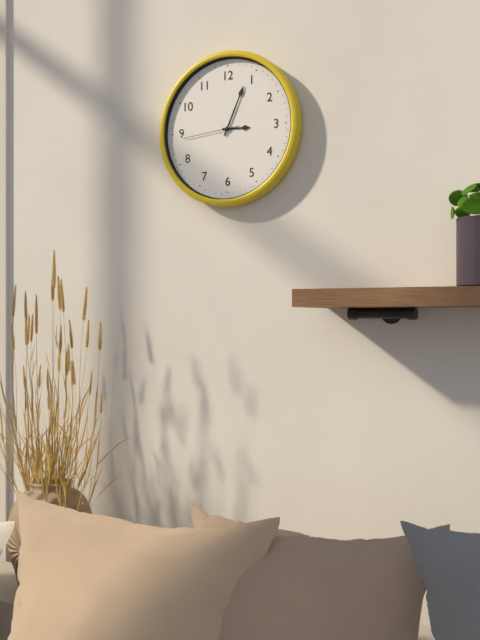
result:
3,04,44
